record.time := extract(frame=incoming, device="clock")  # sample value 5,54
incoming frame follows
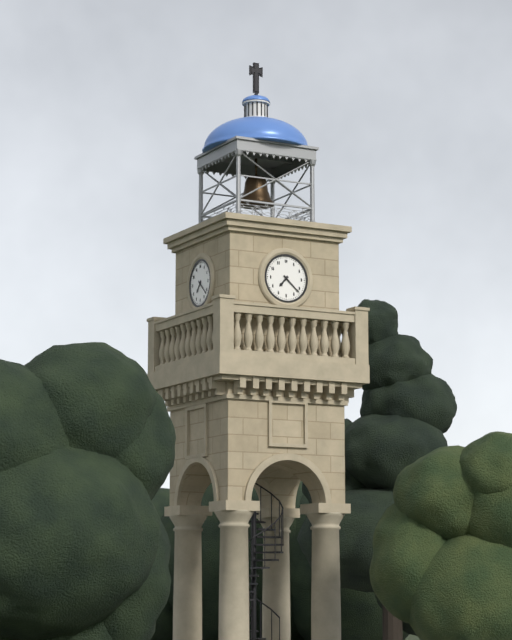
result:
7,22
